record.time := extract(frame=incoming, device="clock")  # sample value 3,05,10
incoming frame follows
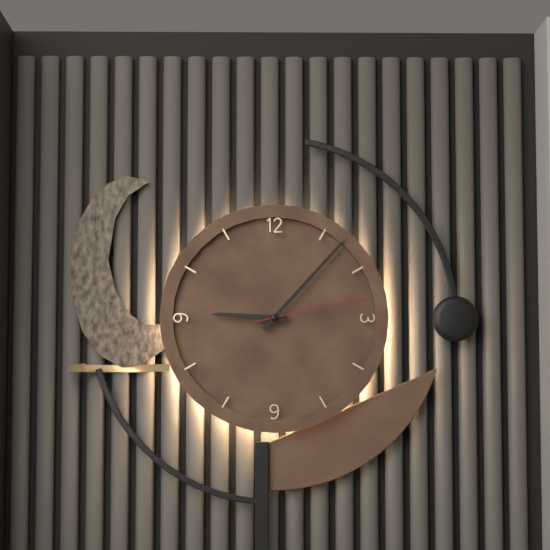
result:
9,07,13
